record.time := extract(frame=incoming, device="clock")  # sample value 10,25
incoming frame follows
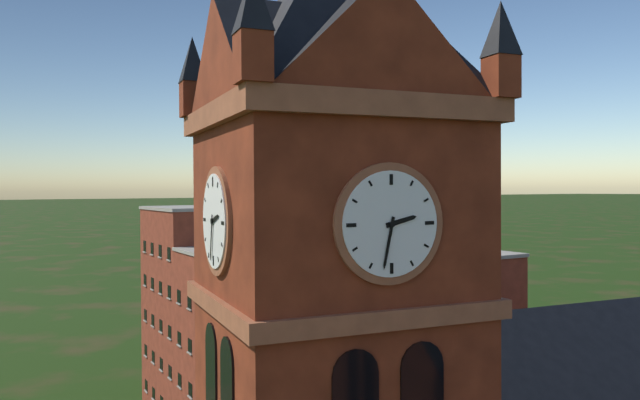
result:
2,32
